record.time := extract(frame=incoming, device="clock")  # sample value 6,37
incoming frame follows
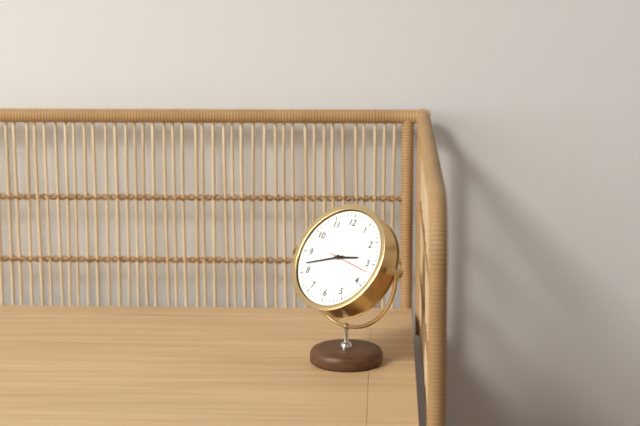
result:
2,42
